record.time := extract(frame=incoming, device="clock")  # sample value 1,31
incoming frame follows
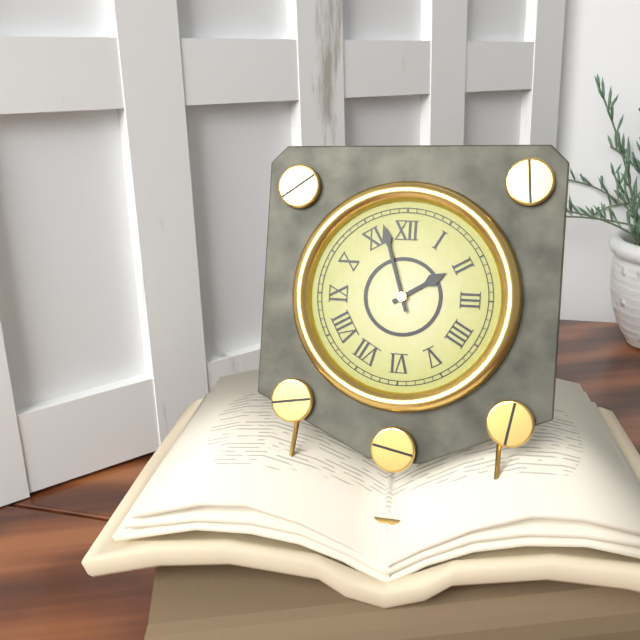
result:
1,57
